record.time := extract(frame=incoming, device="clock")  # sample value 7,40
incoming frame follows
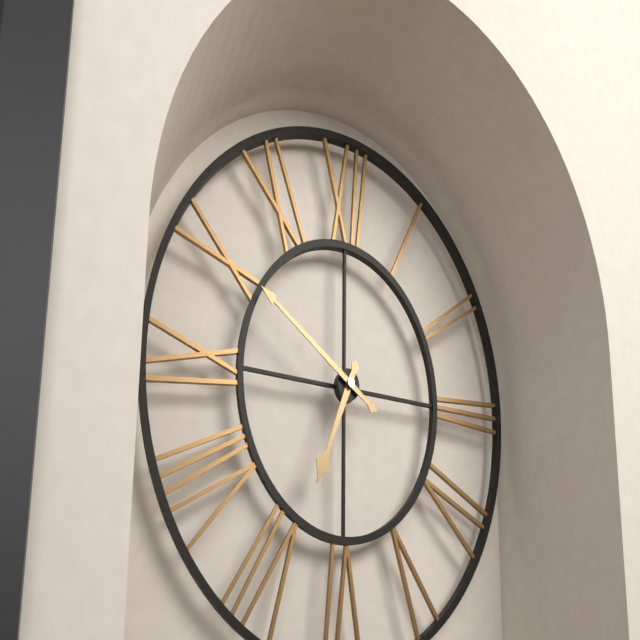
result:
6,50
